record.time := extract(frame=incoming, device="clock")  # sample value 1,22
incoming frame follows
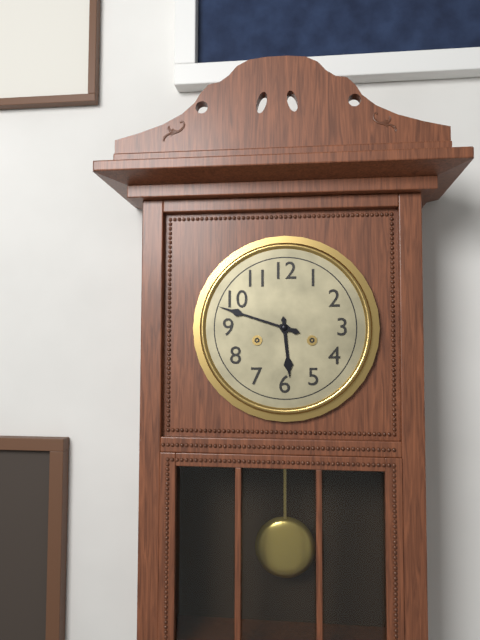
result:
5,48
